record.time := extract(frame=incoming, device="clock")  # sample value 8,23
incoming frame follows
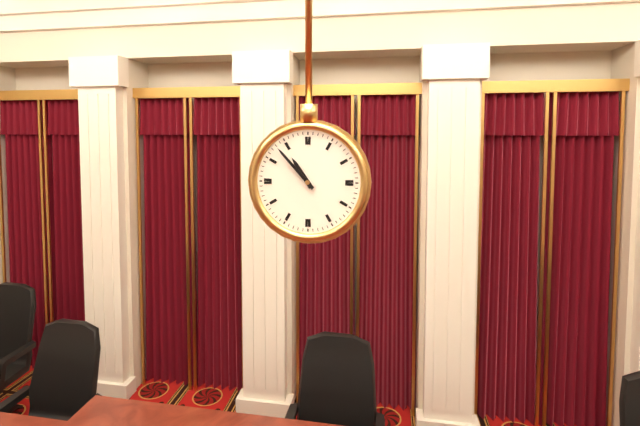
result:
10,53
